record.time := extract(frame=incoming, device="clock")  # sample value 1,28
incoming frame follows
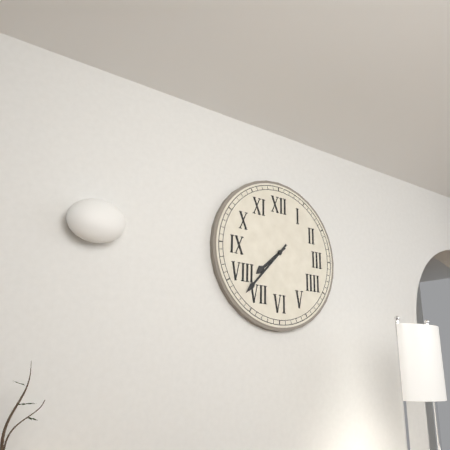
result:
7,37
